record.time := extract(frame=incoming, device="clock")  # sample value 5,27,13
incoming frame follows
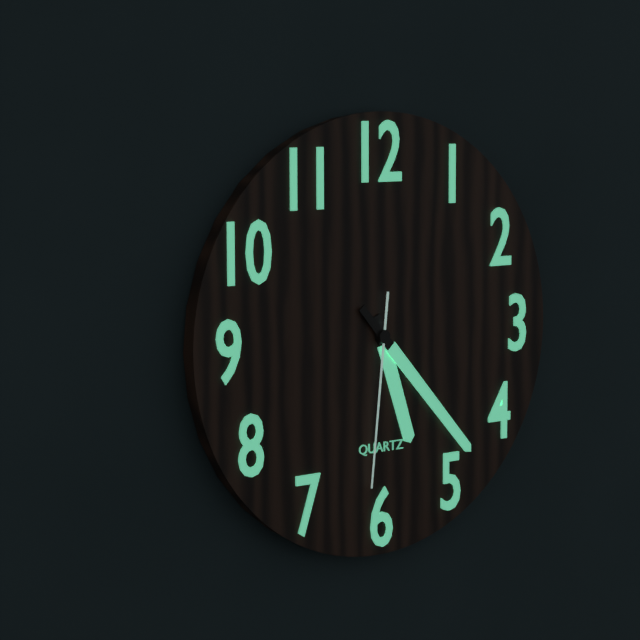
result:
5,23,31
